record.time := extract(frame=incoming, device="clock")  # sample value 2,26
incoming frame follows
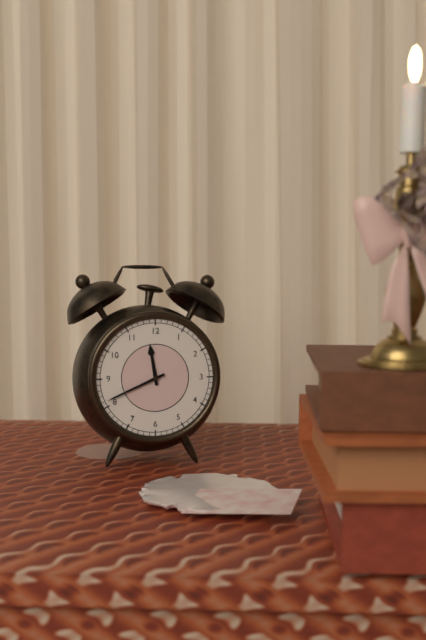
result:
11,41
